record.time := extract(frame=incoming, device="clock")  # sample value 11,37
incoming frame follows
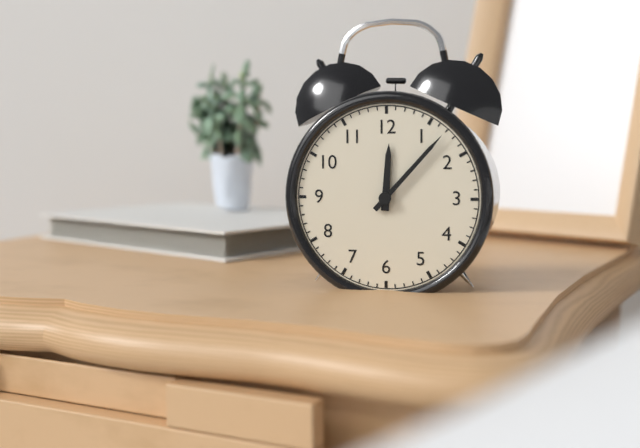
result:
12,07
